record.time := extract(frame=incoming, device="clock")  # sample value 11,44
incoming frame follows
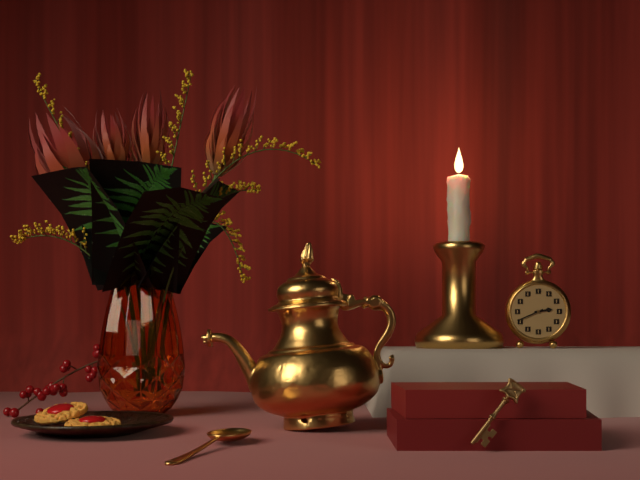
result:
2,41
